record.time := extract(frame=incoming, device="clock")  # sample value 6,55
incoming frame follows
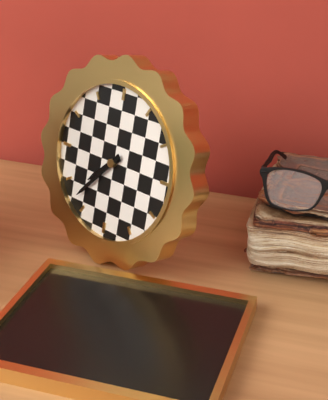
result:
7,37
